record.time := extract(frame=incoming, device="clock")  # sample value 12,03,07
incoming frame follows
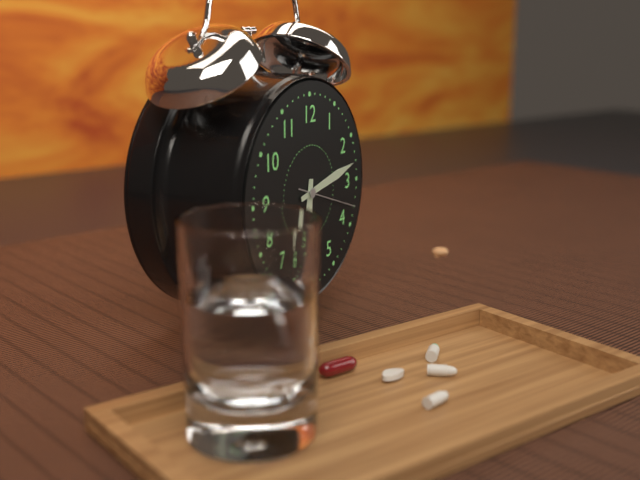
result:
6,13,18
